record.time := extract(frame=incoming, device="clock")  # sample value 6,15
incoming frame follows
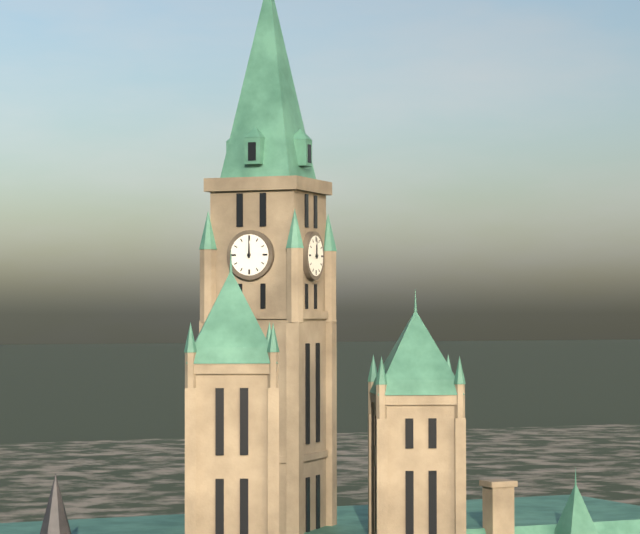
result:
12,00
